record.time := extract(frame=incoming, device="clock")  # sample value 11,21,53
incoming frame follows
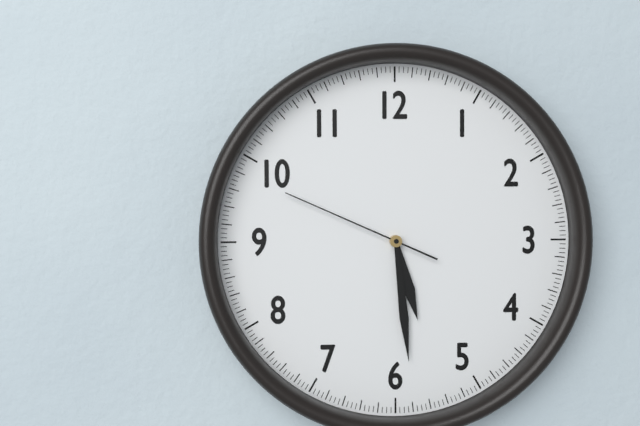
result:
5,29,49
